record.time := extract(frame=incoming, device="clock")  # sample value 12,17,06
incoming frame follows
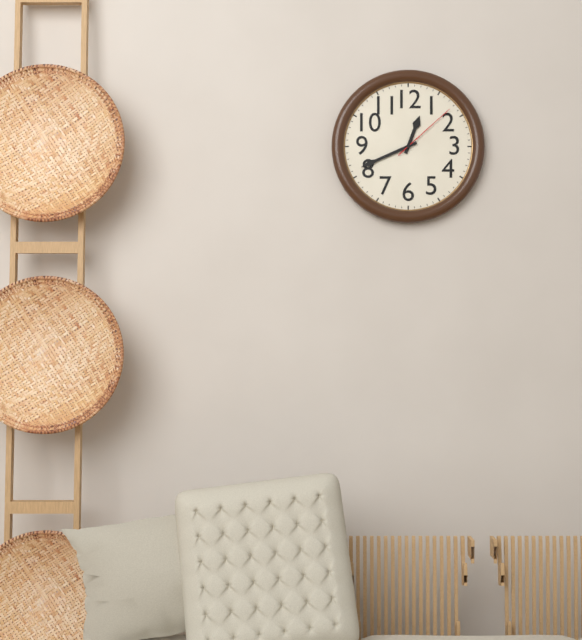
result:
12,41,08
